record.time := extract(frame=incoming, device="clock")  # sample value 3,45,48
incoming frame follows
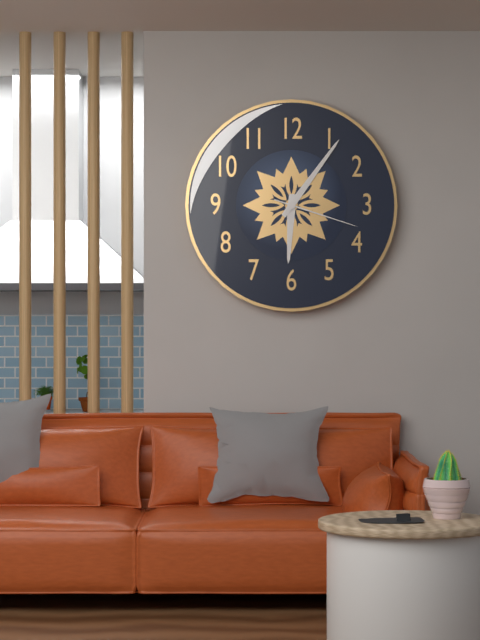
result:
6,06,18
